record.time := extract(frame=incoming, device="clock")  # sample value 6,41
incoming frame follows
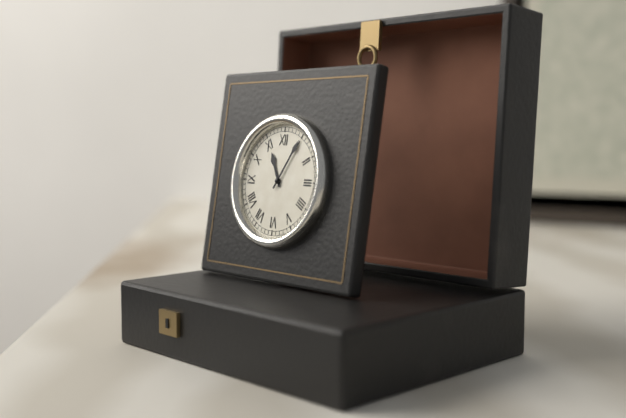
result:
11,05
